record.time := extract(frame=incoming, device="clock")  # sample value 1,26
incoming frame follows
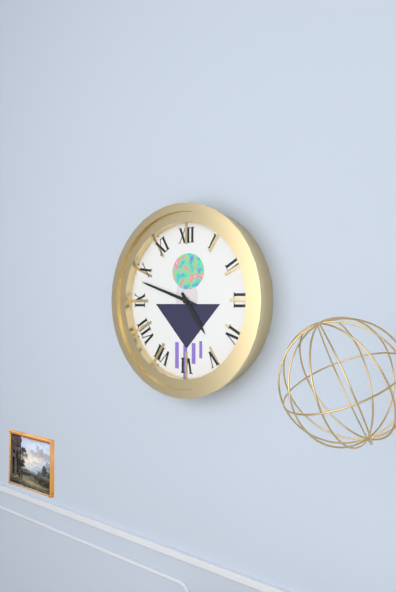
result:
4,48
